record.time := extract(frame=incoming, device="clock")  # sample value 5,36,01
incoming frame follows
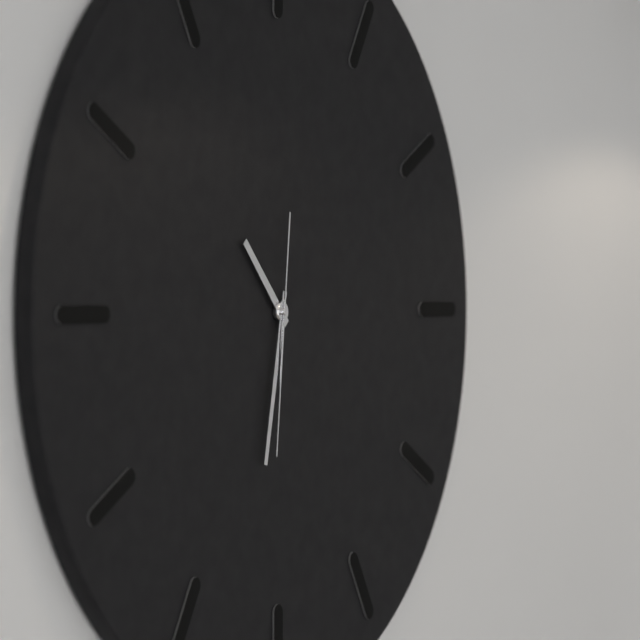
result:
10,32,31
